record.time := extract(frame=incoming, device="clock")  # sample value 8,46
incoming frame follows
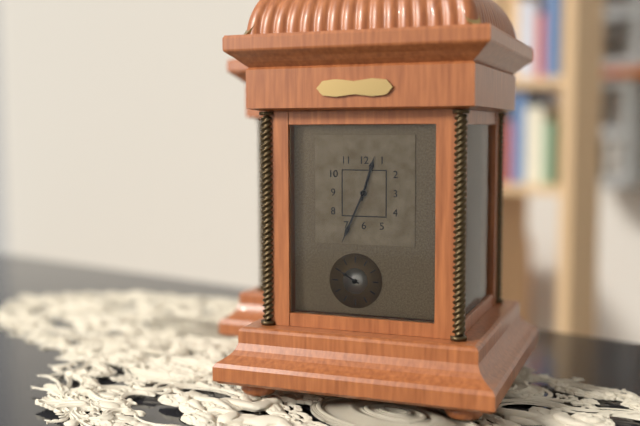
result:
12,34
